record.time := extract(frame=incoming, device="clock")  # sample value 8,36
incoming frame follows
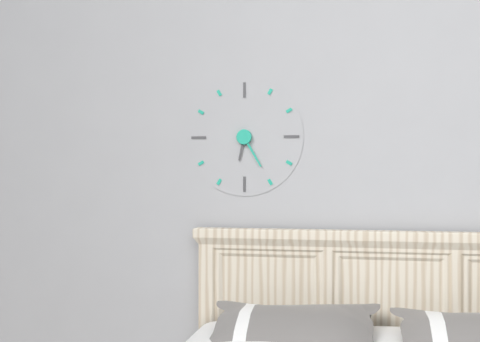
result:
6,25
